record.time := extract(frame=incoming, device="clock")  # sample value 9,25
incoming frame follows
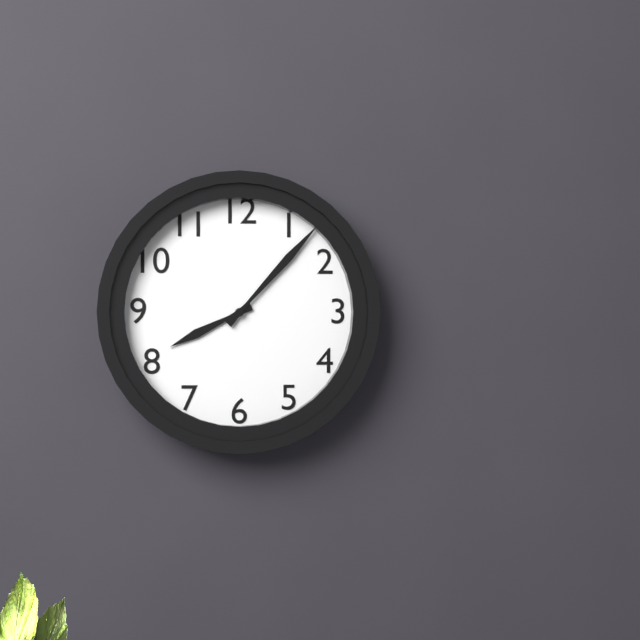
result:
8,07
